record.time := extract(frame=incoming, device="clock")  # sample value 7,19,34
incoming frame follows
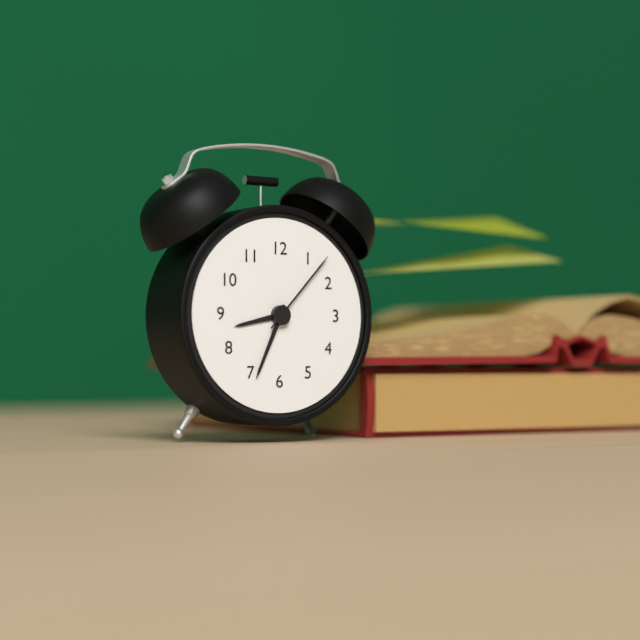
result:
8,34,07
